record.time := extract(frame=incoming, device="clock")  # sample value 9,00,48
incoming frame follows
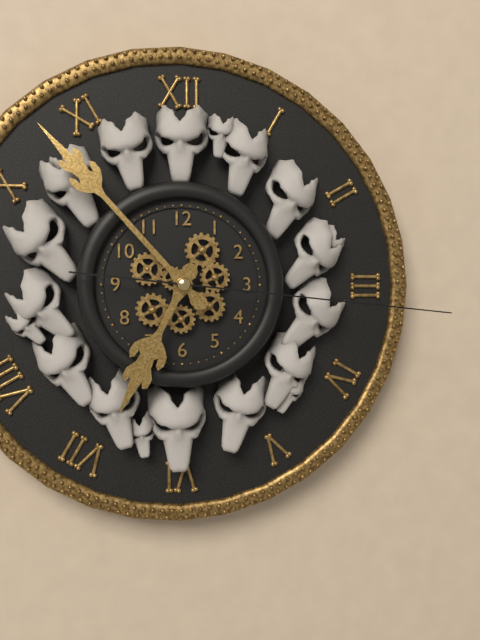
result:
6,53,16
